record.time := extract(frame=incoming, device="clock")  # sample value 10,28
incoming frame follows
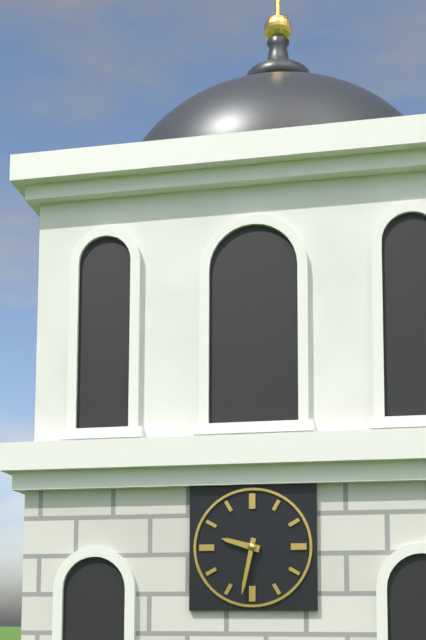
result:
9,32
